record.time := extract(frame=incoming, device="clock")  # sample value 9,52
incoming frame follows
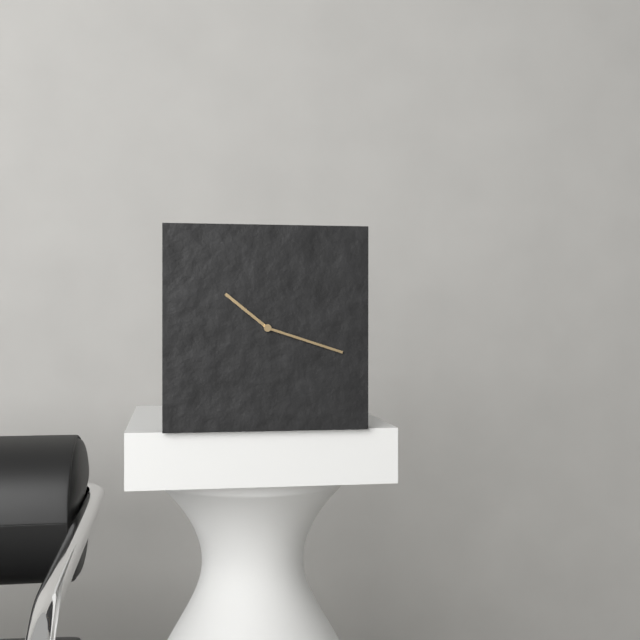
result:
10,18
